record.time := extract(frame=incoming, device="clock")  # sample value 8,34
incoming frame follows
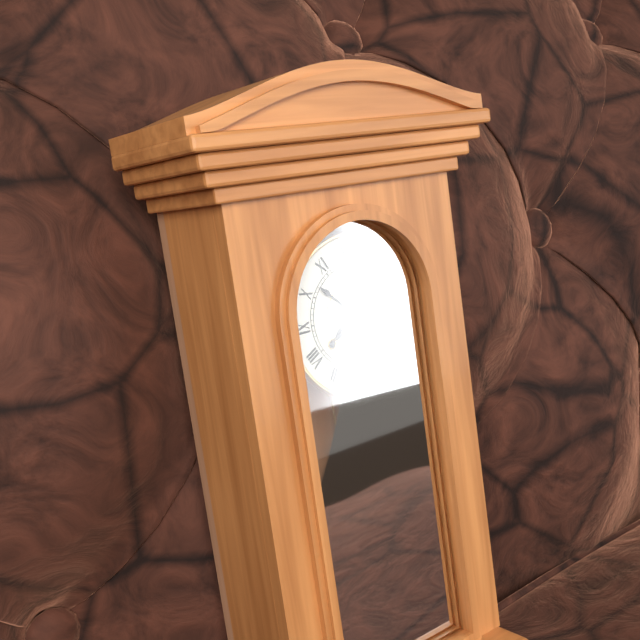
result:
7,52
